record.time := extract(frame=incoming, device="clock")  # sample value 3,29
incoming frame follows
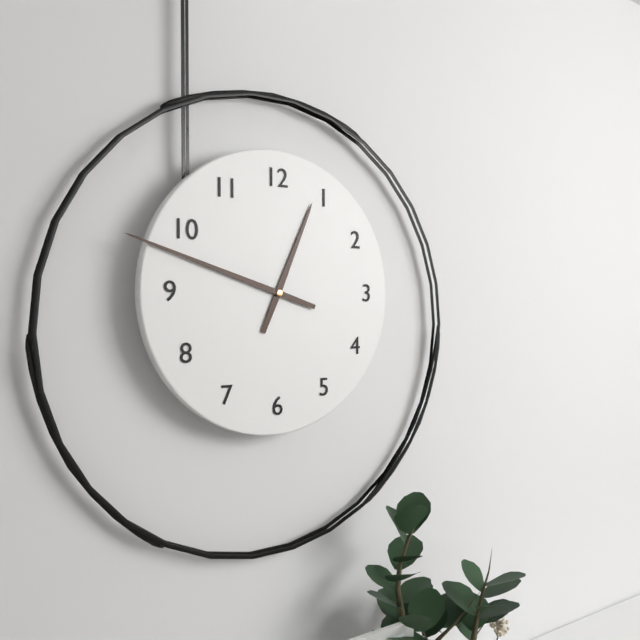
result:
12,48
